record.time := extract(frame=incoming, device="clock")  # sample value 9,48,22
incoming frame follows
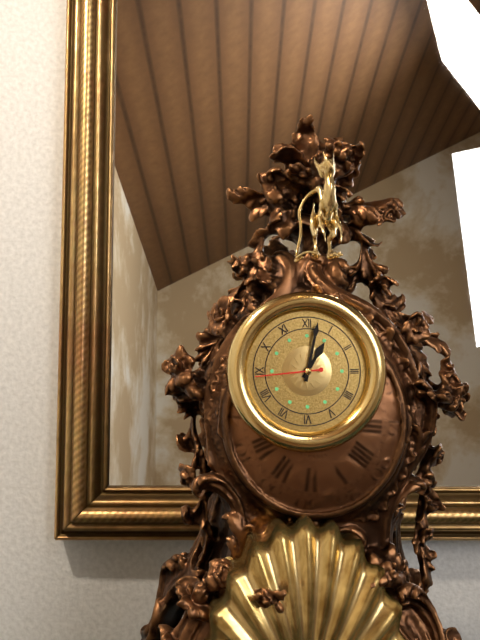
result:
1,02,44
